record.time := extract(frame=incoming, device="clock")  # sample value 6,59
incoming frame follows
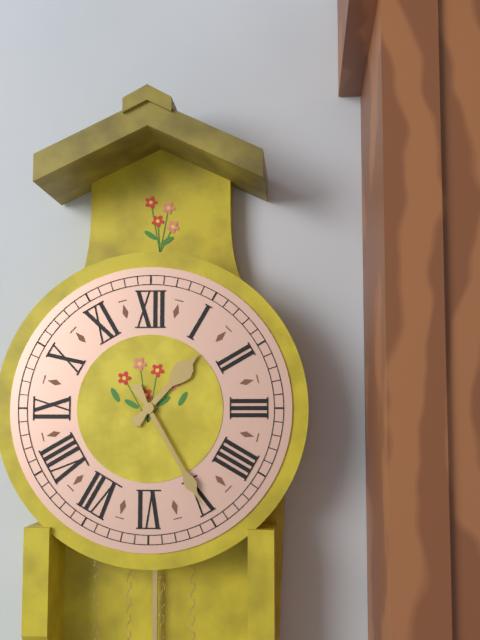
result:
1,25
